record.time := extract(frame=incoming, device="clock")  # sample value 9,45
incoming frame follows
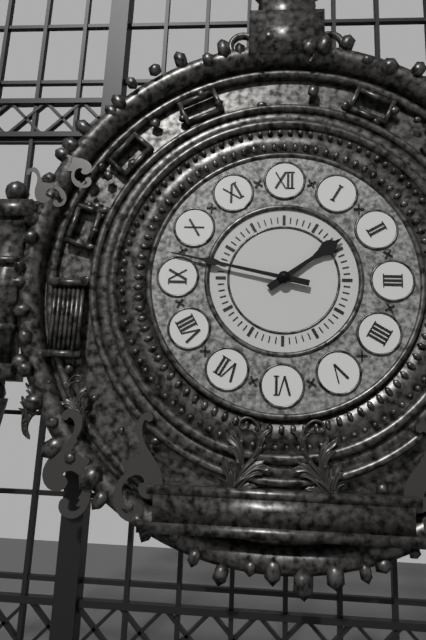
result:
1,47
